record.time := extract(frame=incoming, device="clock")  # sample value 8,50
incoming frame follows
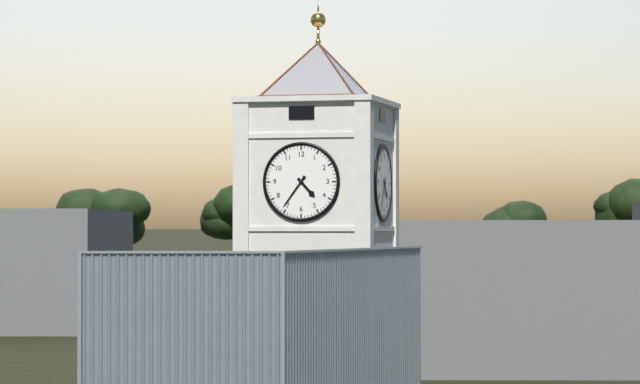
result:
4,36
